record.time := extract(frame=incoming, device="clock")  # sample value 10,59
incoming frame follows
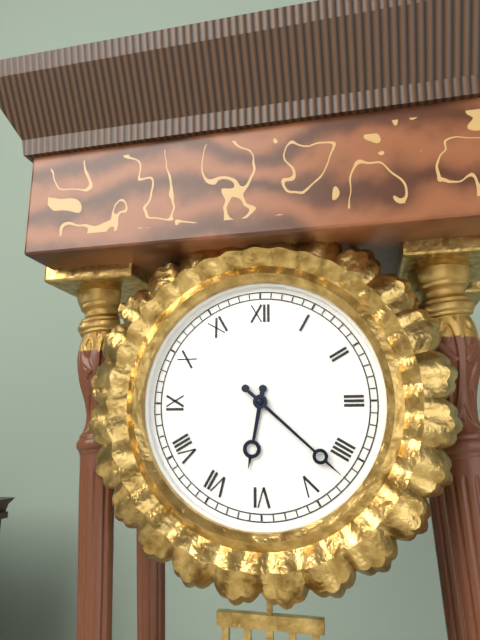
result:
6,22
